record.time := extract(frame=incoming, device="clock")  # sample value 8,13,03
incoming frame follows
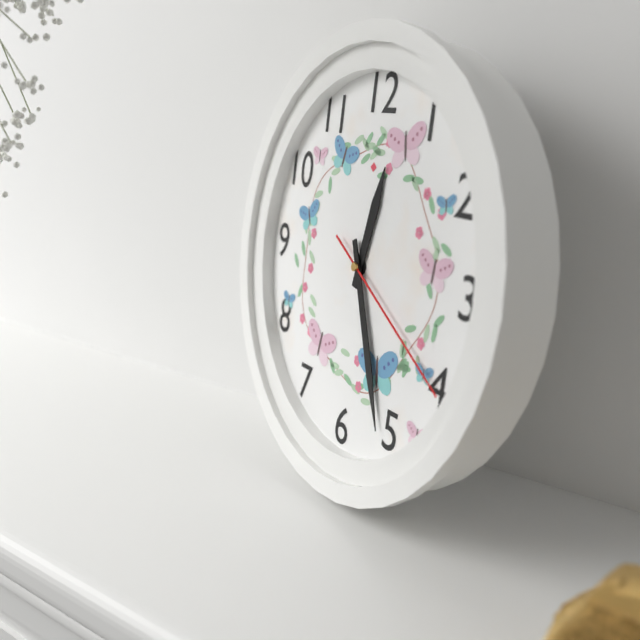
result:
12,26,20
